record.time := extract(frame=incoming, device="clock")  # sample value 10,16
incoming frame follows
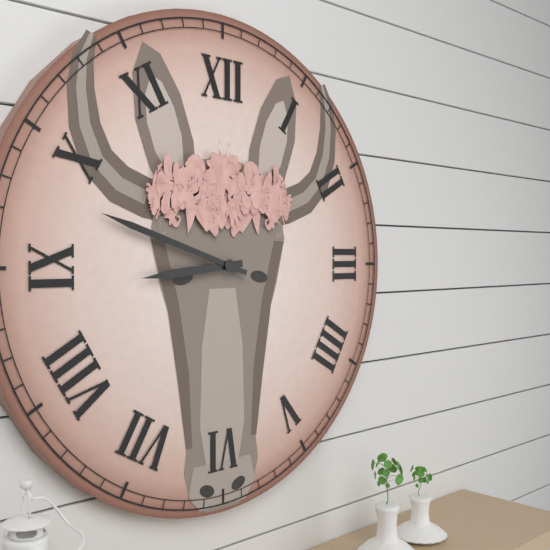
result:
8,48
